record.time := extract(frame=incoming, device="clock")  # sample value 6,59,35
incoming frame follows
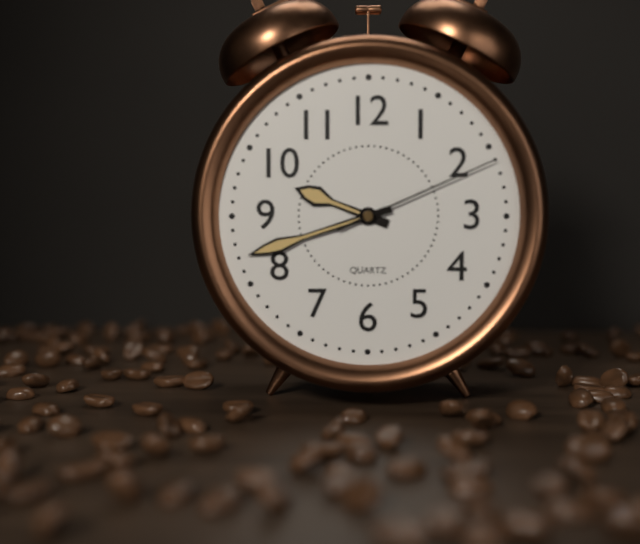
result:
9,42,11
